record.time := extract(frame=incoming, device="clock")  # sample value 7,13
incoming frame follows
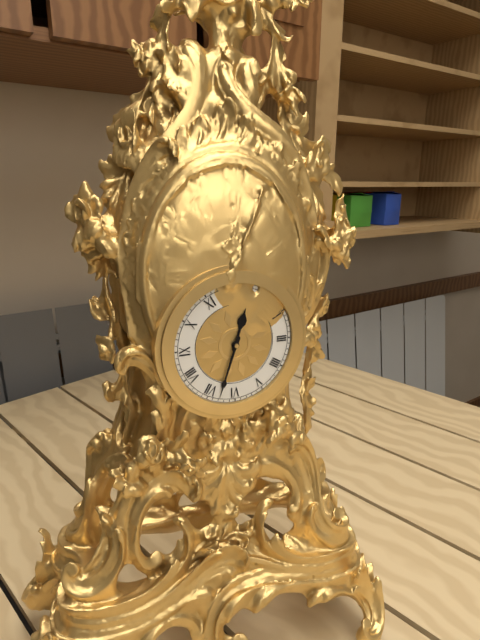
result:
12,33
